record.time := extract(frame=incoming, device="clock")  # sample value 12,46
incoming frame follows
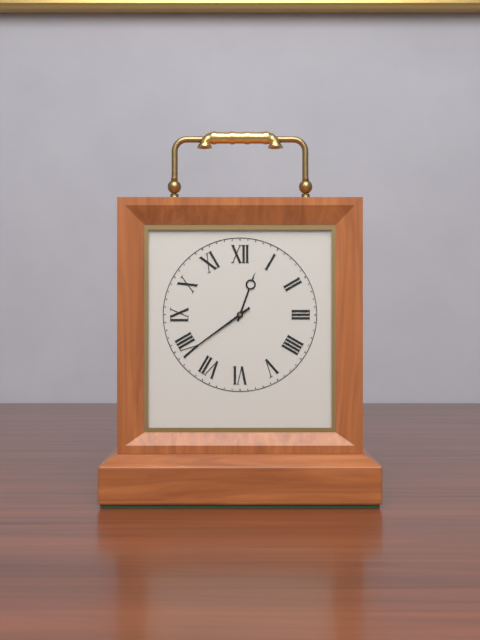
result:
12,39
